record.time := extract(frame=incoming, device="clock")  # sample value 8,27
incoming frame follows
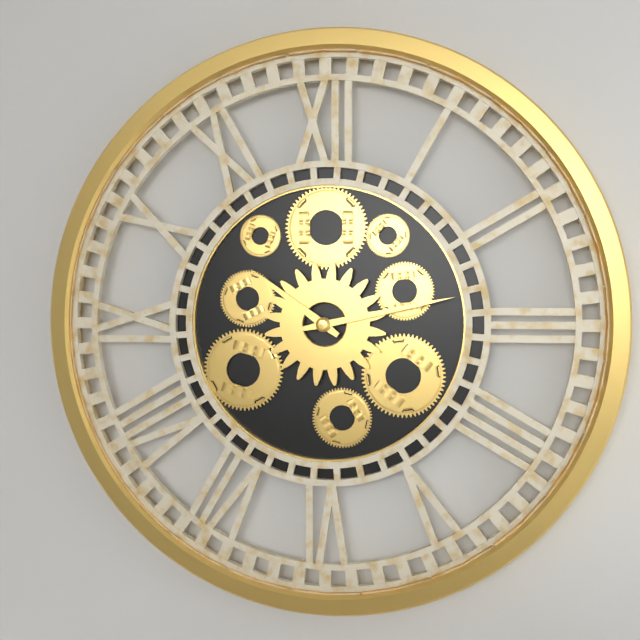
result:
10,13
